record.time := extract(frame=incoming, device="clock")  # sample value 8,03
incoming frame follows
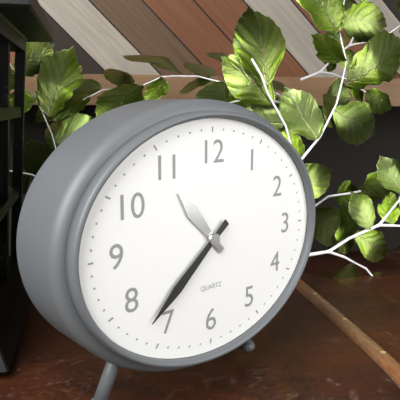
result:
10,38
